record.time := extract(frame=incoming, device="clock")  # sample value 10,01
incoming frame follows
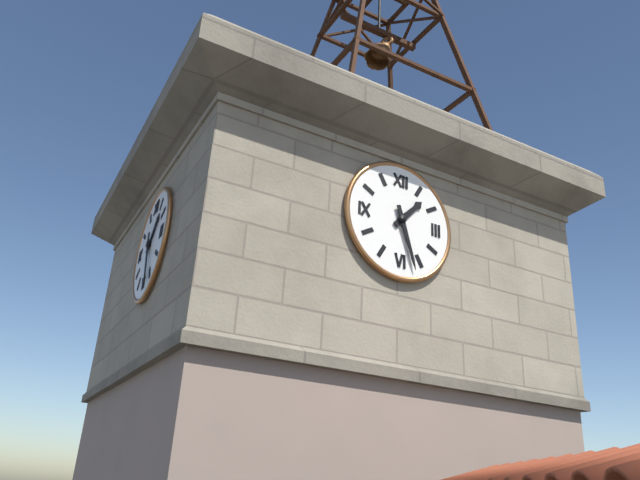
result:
1,27
